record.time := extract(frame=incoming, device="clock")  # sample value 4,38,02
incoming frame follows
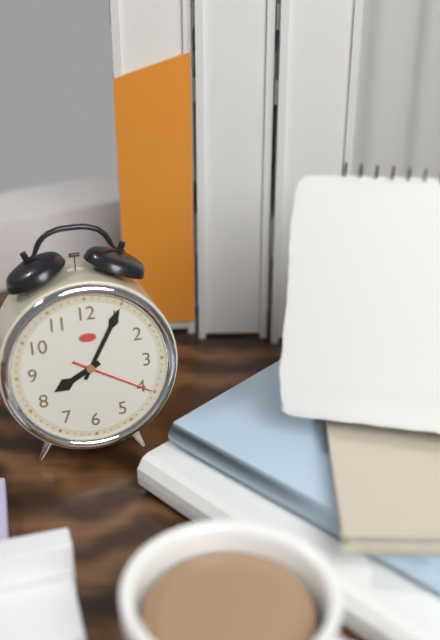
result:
8,05,20
